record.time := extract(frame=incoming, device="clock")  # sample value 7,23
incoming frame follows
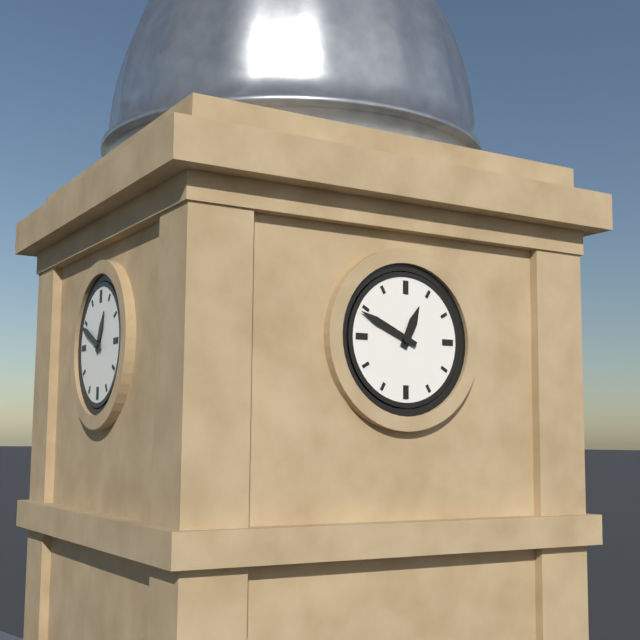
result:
12,49
